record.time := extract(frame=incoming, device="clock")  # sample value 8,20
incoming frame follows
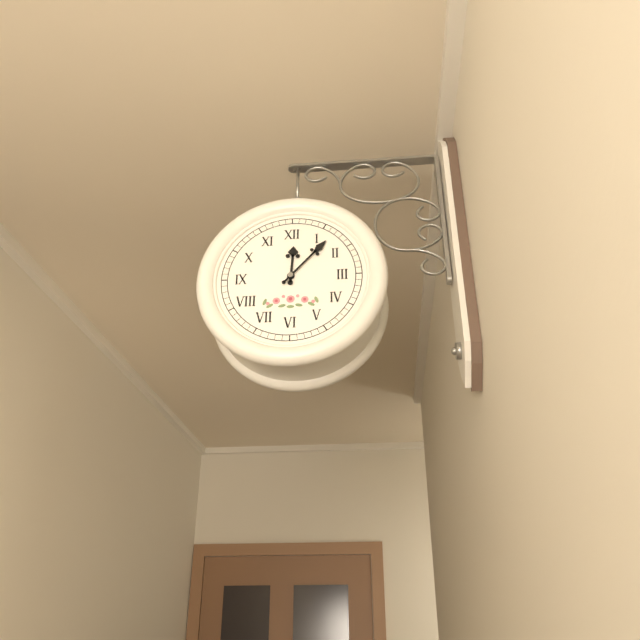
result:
12,07
